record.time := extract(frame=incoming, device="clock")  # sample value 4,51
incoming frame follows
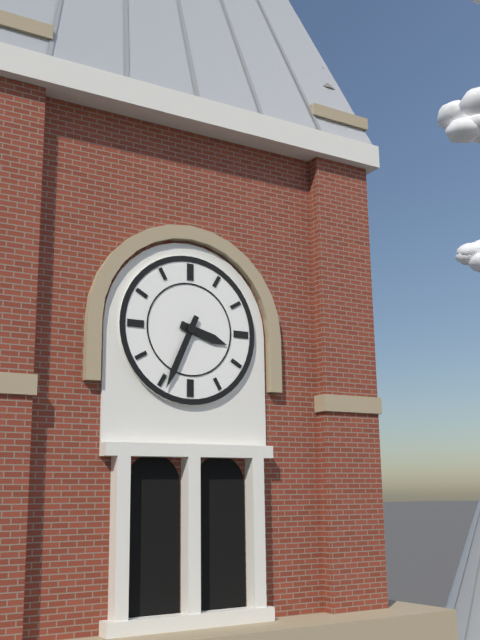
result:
3,34
